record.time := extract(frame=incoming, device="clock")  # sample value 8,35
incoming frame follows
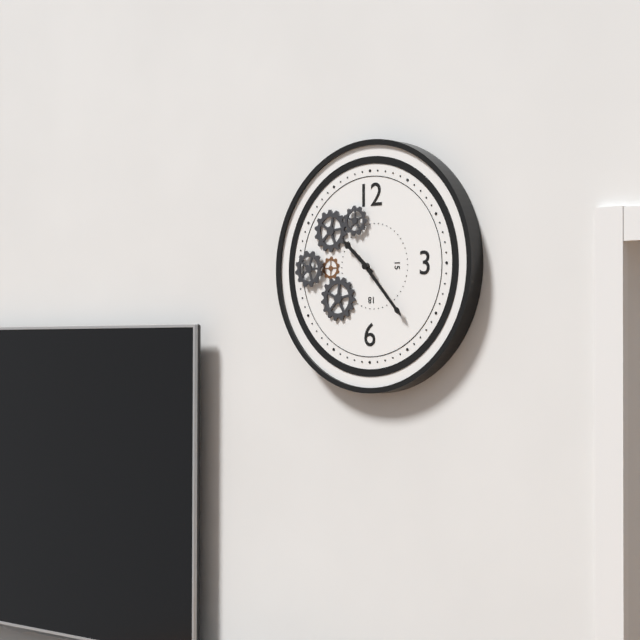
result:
10,23
